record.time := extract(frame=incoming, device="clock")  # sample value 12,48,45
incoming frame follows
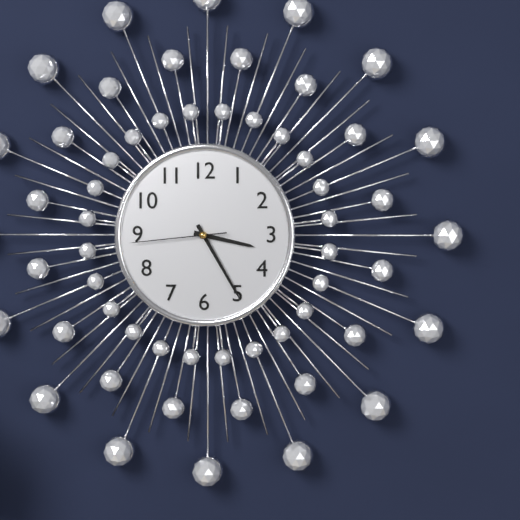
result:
3,25,44
